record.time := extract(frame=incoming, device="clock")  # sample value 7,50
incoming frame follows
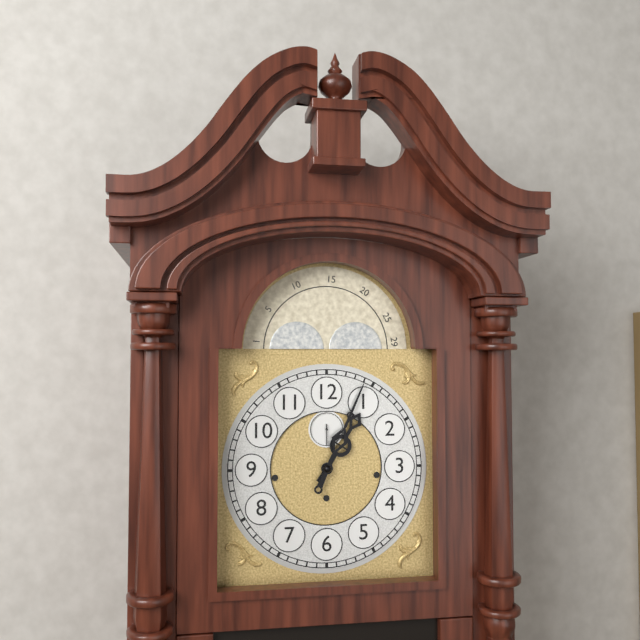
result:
1,04
